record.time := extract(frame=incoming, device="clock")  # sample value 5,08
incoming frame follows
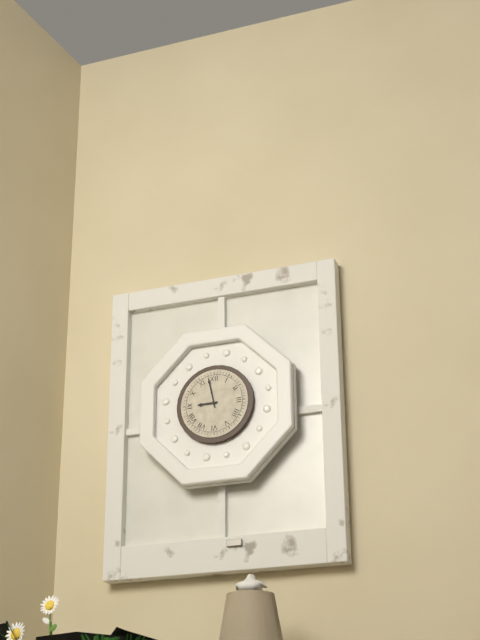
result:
8,58
